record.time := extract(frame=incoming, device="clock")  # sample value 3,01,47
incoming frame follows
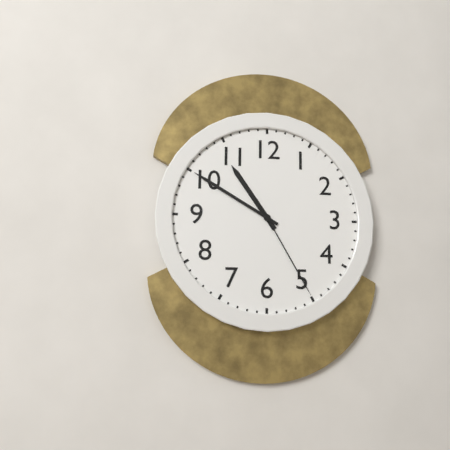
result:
10,50,25
